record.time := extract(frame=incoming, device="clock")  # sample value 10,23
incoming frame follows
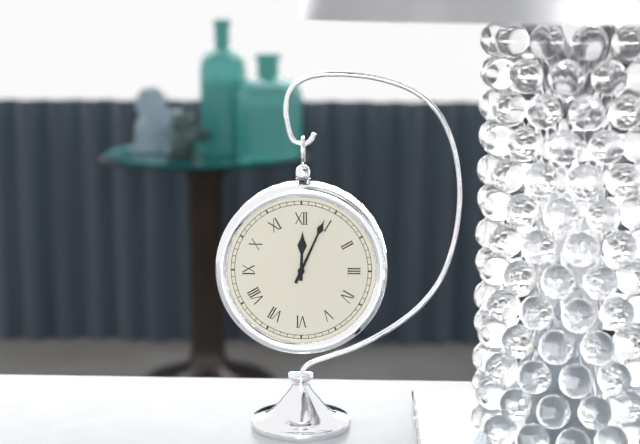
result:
12,04
